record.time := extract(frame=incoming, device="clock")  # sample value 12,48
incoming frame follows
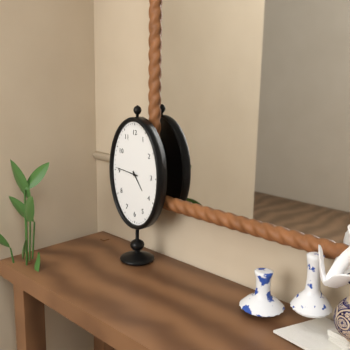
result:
4,46
